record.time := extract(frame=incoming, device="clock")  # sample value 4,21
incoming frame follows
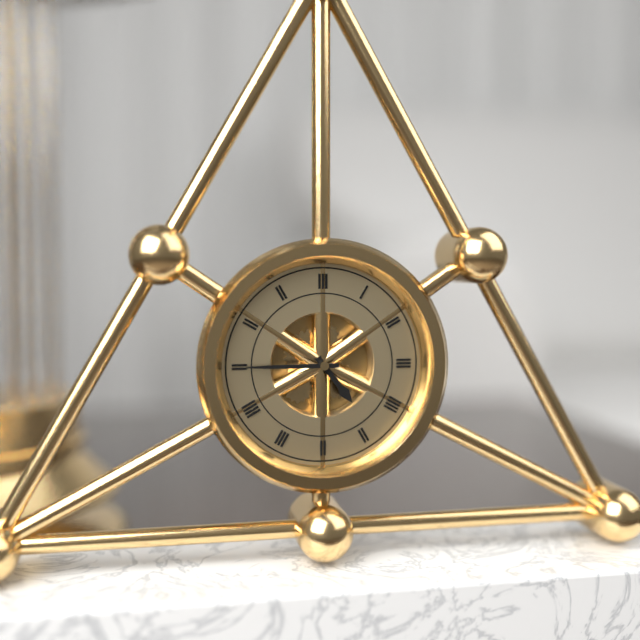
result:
4,45
